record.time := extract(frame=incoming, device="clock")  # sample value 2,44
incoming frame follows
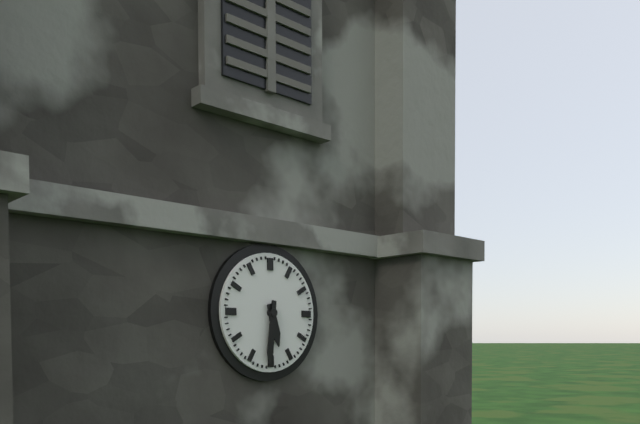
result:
5,31
